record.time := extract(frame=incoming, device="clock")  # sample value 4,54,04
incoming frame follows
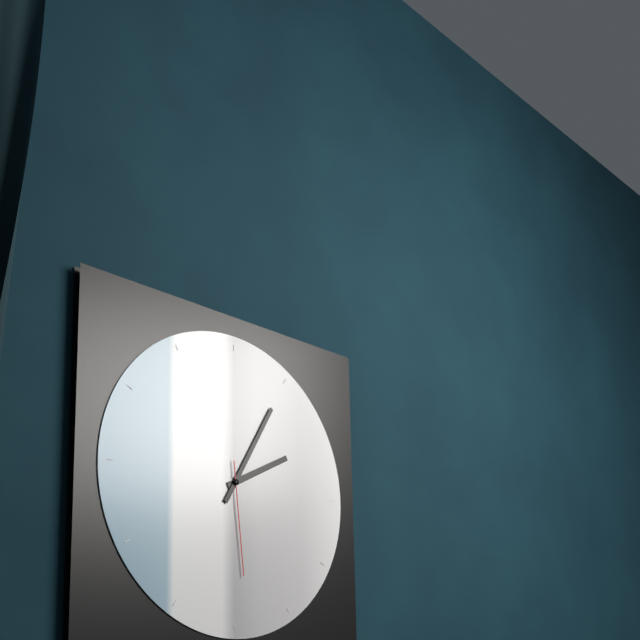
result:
2,05,29
